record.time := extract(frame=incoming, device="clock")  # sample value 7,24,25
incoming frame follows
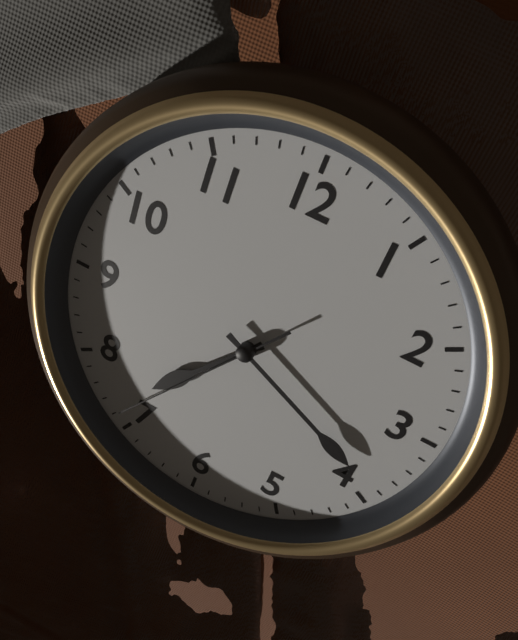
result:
7,19,36
